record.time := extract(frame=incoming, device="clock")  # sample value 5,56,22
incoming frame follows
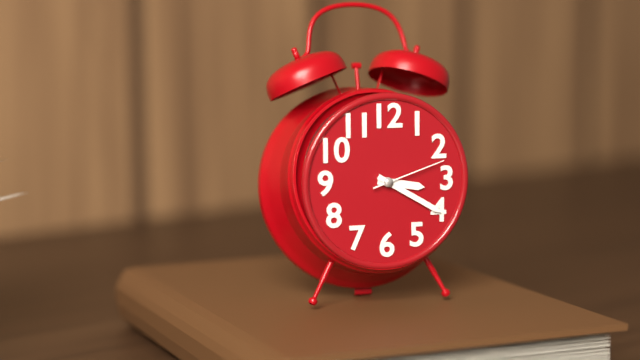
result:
3,20,12
